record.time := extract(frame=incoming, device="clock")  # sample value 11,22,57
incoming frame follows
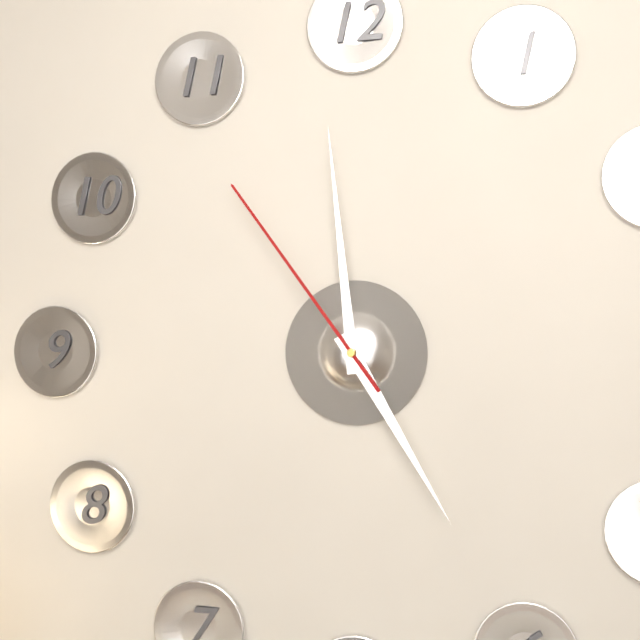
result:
4,59,54
